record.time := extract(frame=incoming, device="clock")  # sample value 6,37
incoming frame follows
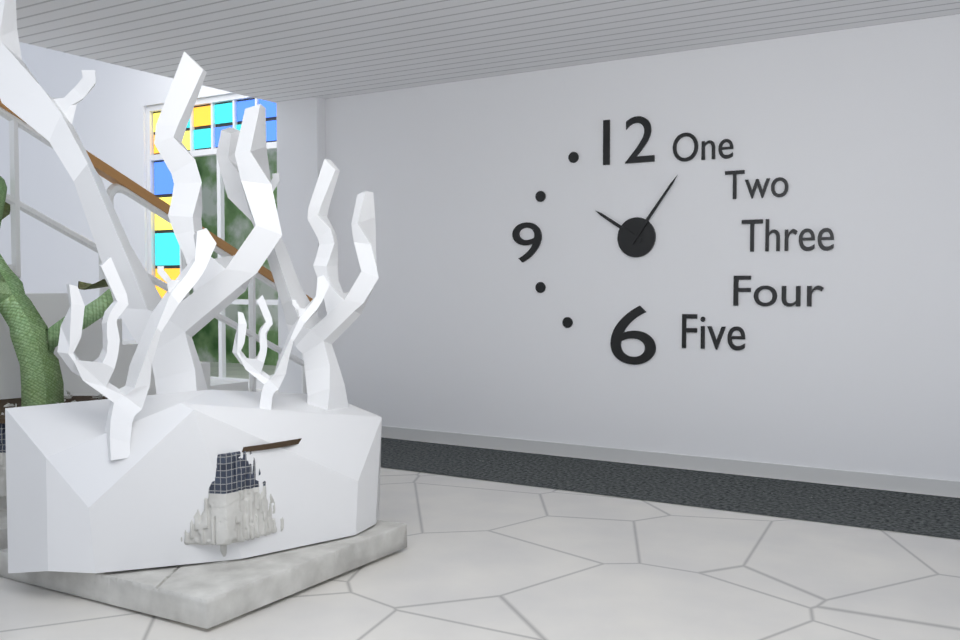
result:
10,06
